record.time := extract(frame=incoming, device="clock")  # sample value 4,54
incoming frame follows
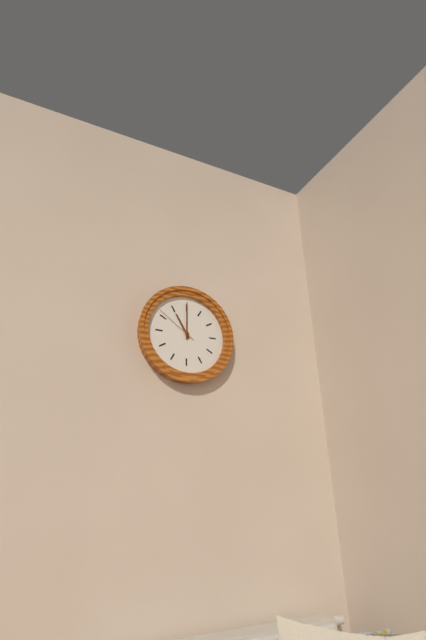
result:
11,00
